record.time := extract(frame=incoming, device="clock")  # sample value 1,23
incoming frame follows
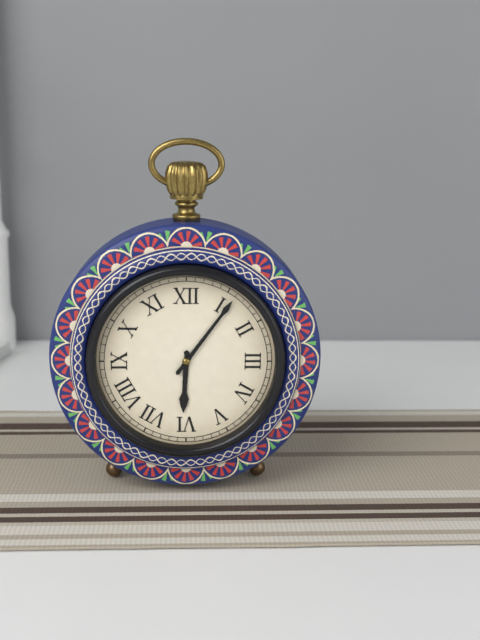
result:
6,06
